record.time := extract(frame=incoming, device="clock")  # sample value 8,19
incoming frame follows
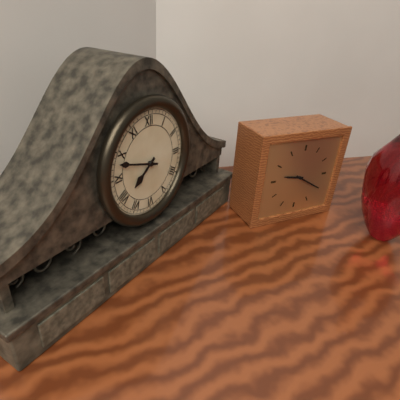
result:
7,48
